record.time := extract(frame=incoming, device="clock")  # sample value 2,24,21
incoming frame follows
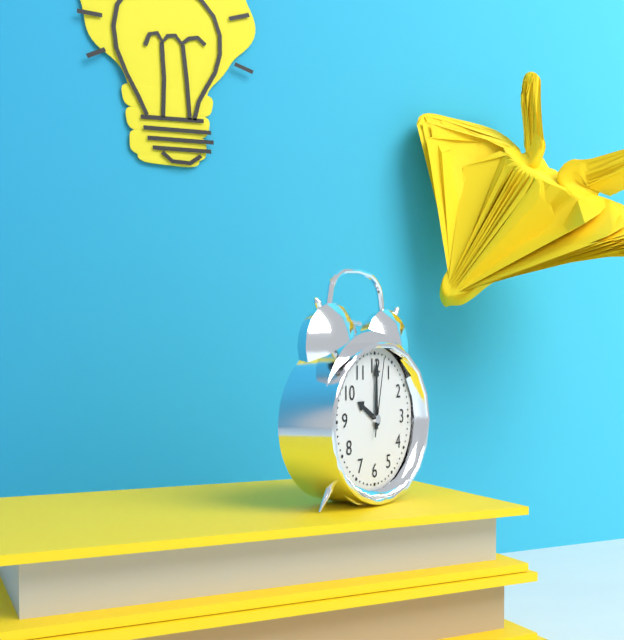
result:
10,00,02
